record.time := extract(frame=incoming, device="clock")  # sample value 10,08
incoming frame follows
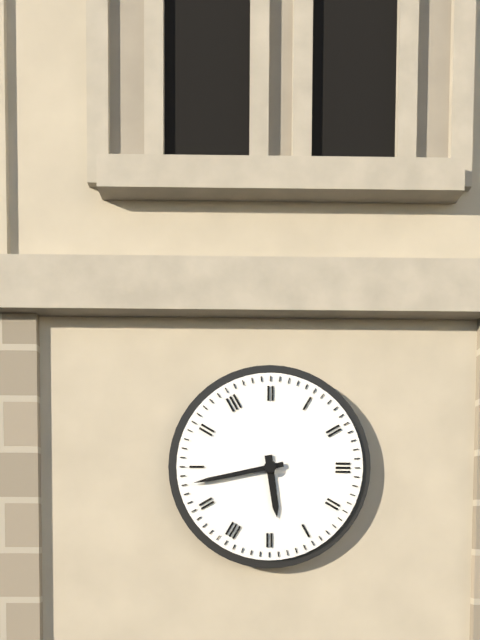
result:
5,43
